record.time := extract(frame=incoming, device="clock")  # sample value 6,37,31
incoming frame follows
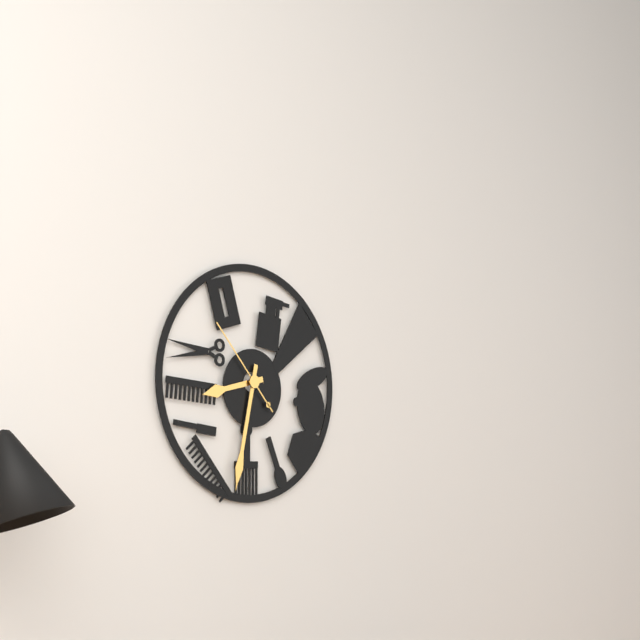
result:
8,32,53
